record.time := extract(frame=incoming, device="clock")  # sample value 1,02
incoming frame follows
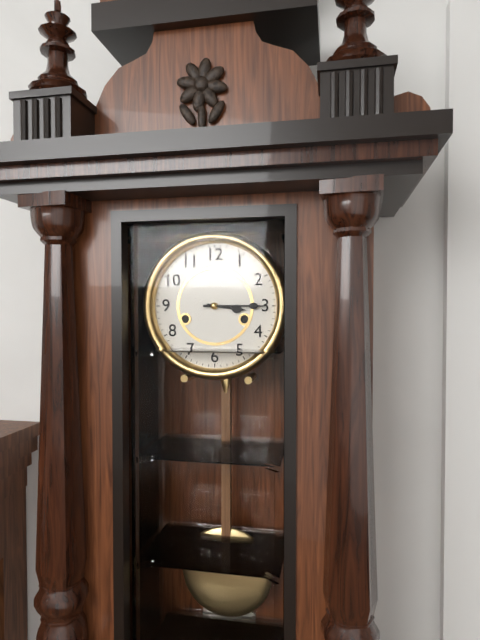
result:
3,15
